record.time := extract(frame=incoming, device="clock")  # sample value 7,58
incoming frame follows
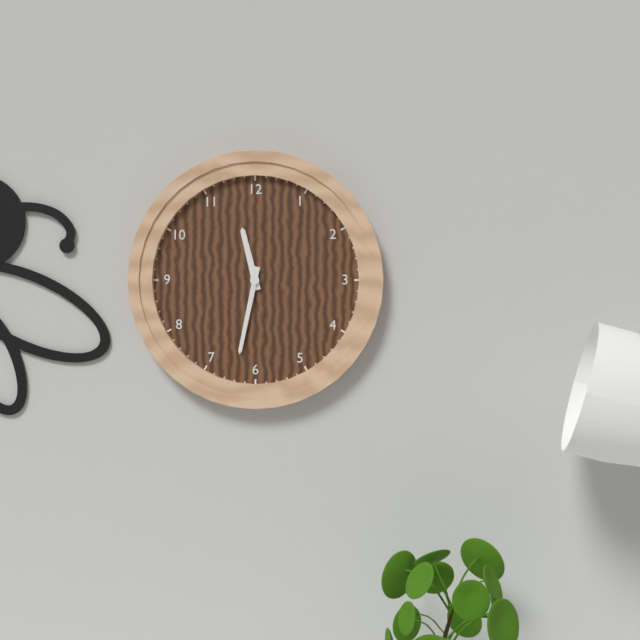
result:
11,32
